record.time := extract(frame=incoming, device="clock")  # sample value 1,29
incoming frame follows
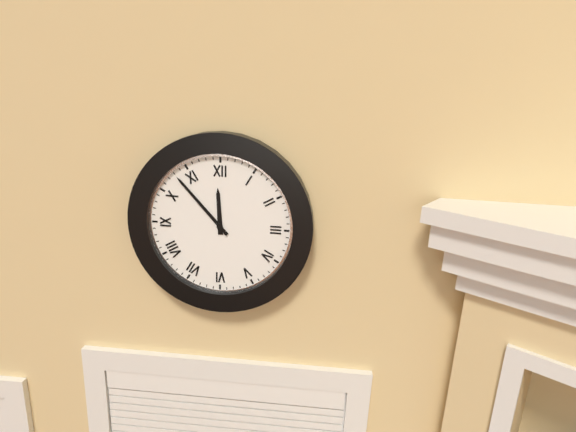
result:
11,53
